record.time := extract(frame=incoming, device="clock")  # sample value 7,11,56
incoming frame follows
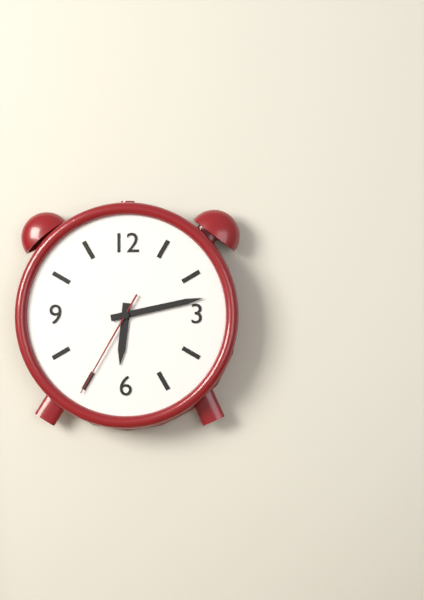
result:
6,13,35
